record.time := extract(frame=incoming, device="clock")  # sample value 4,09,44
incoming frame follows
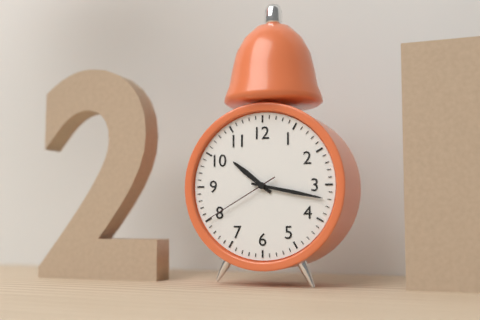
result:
10,17,40
